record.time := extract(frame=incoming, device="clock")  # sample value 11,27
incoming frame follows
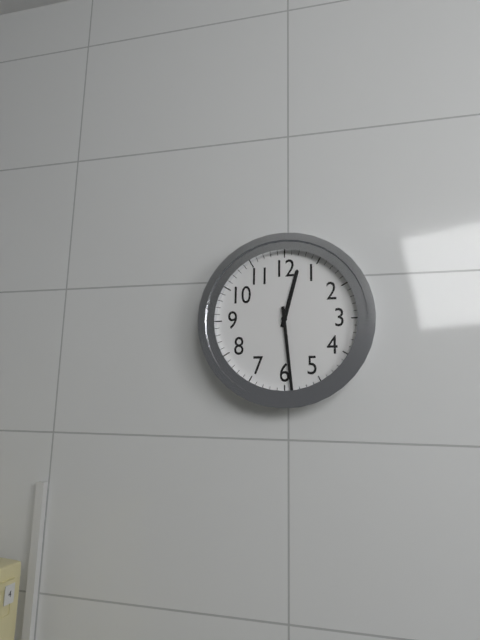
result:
12,29
